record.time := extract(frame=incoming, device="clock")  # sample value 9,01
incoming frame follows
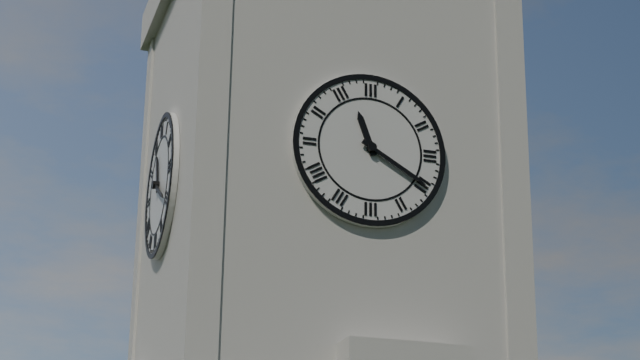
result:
11,20
